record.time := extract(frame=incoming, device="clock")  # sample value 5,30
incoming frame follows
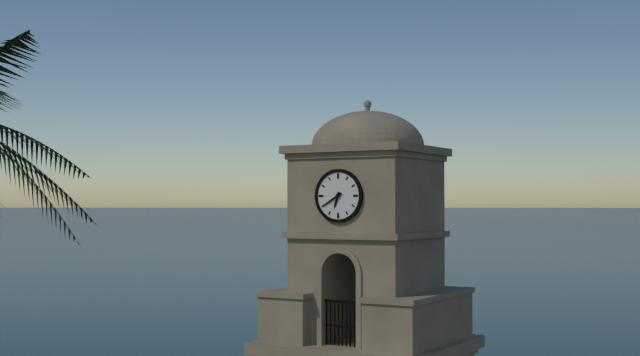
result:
6,40
